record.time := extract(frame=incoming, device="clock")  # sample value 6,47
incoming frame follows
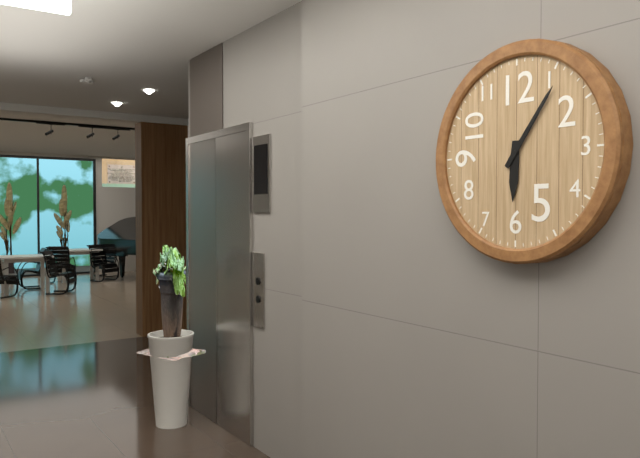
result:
6,06
